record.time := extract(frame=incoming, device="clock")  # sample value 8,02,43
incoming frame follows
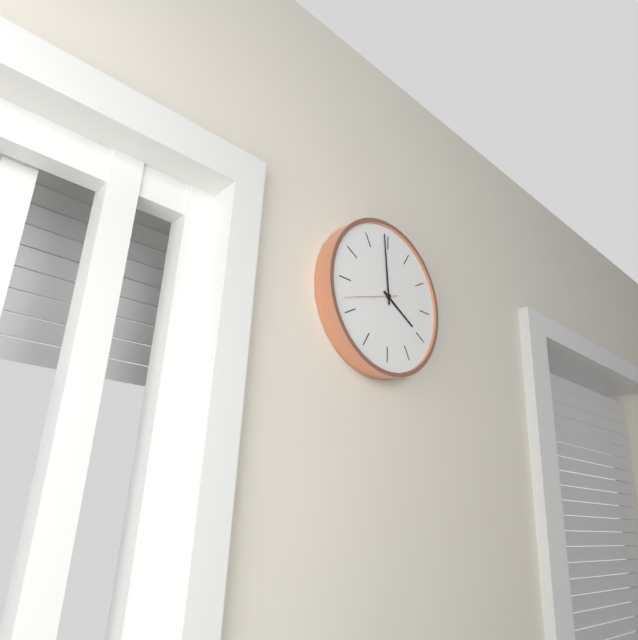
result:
3,59,42
